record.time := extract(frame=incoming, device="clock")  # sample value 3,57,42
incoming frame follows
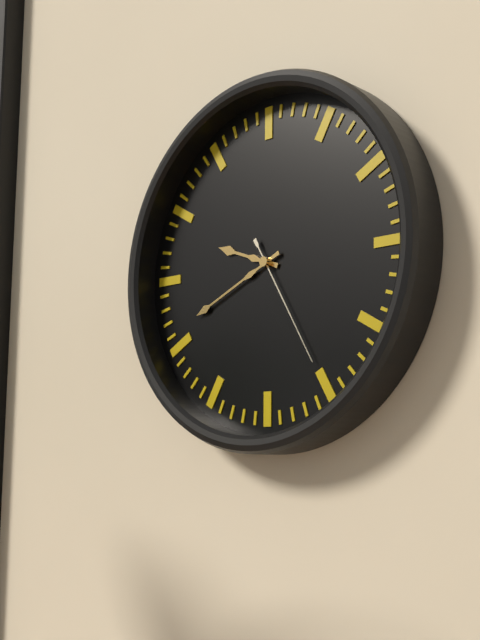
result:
9,41,25
